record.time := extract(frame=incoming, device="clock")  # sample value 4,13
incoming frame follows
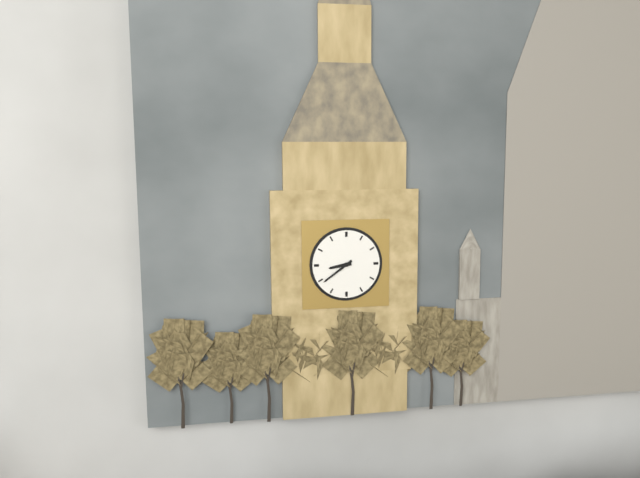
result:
8,39
